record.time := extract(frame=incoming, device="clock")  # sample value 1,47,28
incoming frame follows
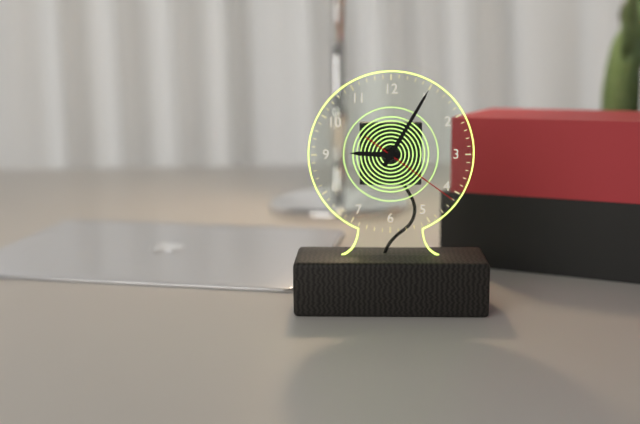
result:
9,05,21
